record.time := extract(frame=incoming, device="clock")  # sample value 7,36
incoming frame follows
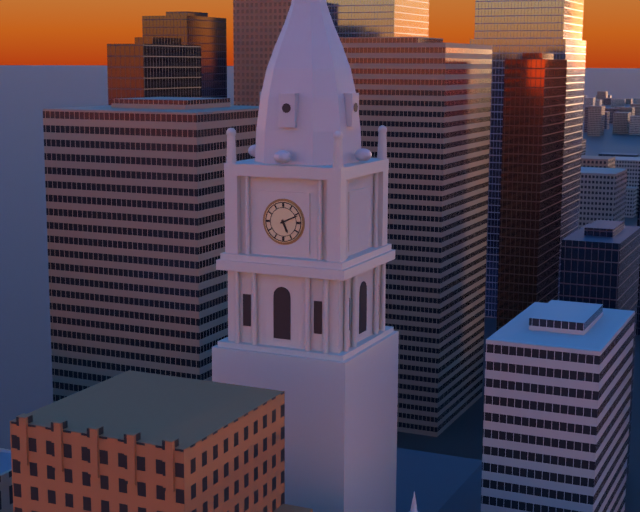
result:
5,11
